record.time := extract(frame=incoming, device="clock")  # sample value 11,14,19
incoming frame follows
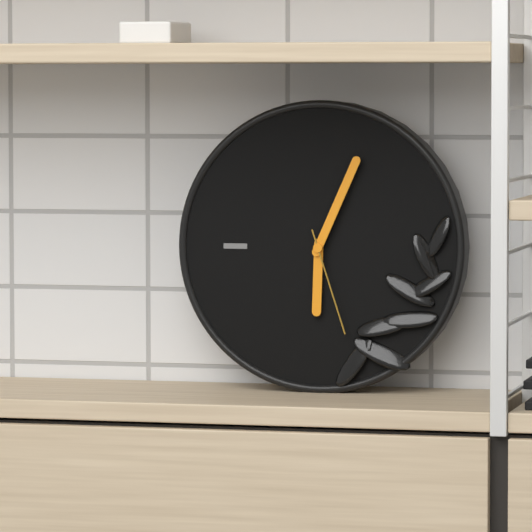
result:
6,04,27
